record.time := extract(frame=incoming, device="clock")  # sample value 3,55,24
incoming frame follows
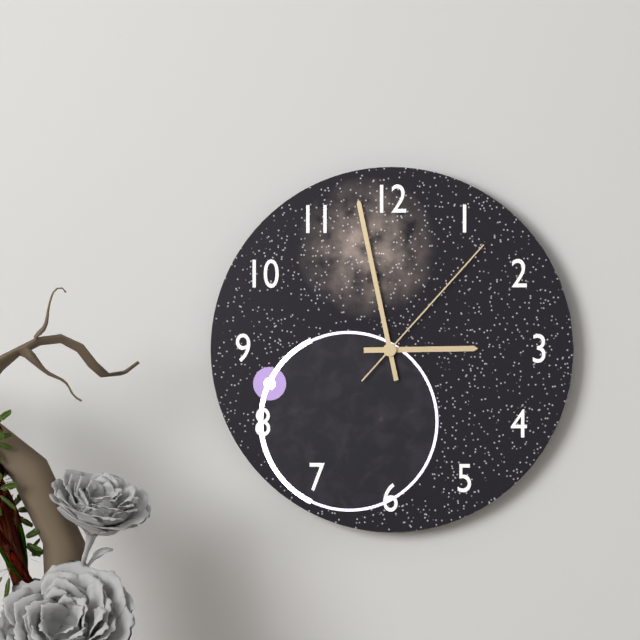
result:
2,58,07
